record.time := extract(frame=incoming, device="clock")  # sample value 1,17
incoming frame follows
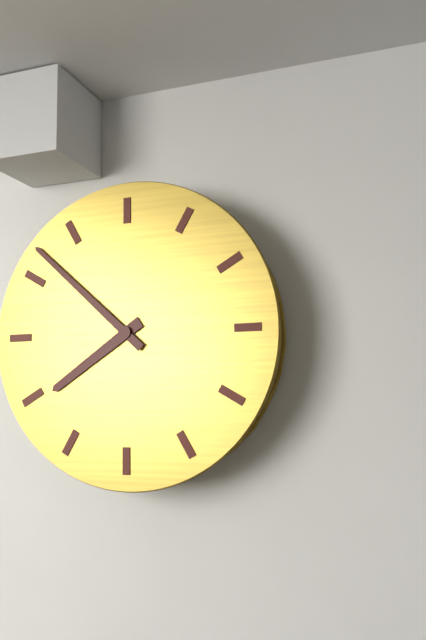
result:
7,52
